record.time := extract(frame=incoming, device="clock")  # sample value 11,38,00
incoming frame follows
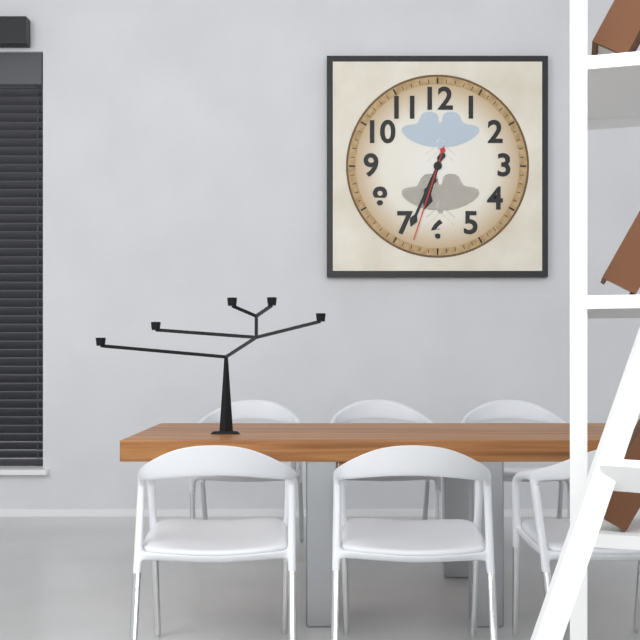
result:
6,34,33
